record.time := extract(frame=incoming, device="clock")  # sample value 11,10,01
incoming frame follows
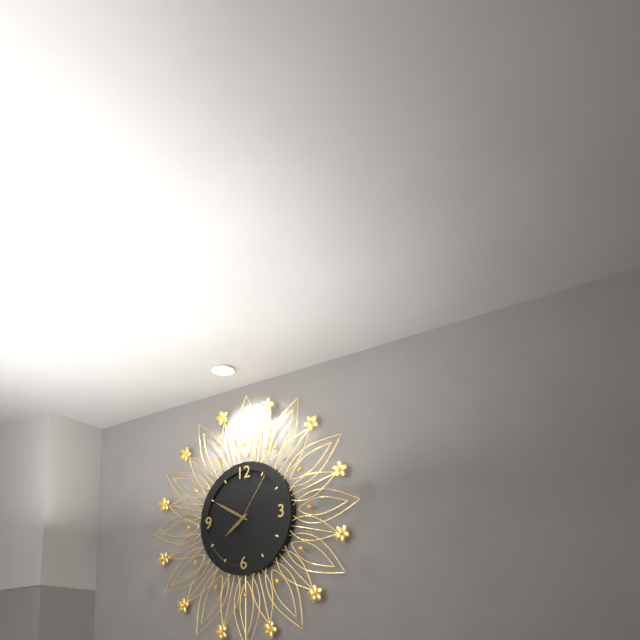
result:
7,50,06
